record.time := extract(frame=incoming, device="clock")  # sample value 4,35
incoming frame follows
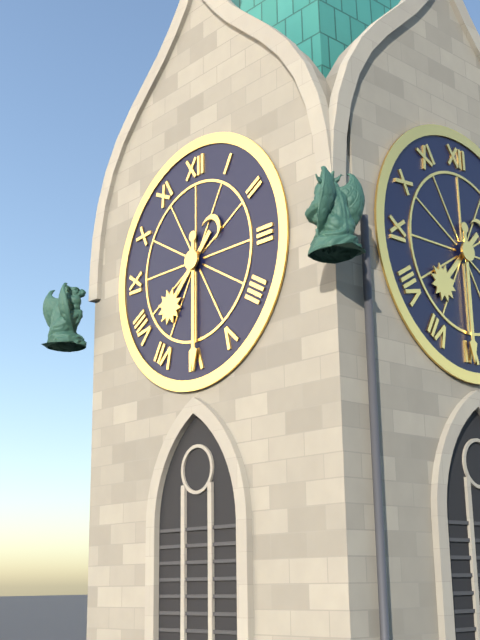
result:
7,30
